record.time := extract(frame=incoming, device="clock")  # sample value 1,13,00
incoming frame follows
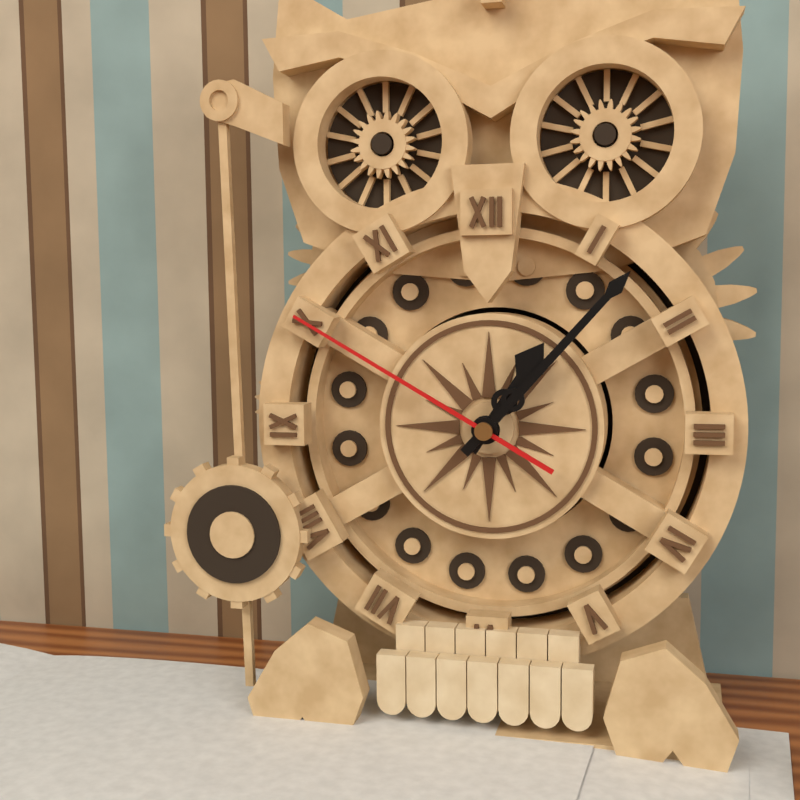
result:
1,07,50
